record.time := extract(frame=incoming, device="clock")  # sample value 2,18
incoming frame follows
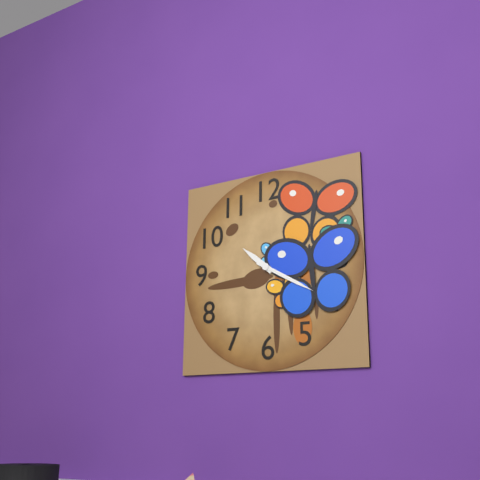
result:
10,20
